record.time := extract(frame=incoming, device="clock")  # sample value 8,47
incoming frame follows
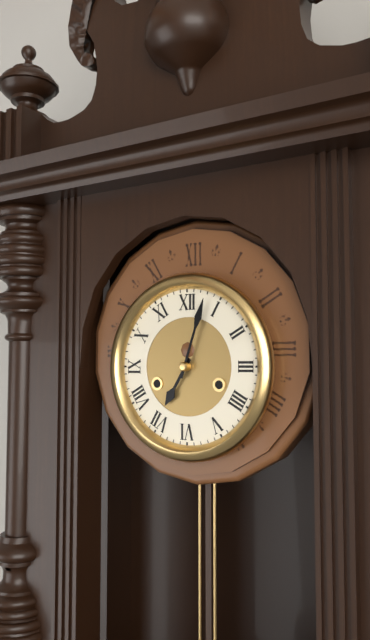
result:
7,03
